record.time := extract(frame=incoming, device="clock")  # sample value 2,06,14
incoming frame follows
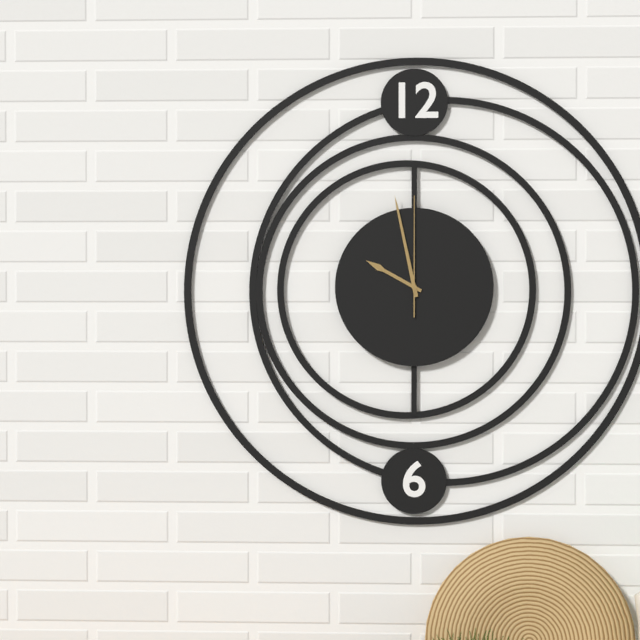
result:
9,58,00
